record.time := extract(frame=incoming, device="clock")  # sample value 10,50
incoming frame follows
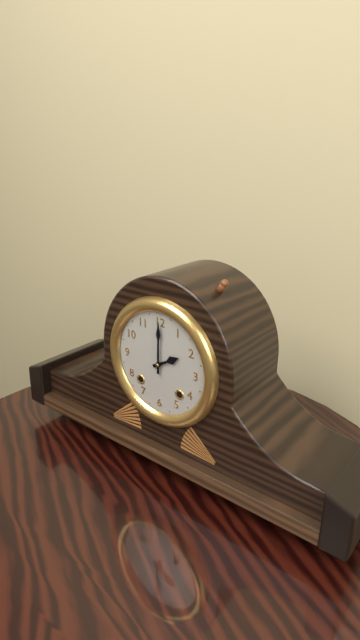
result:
2,00
